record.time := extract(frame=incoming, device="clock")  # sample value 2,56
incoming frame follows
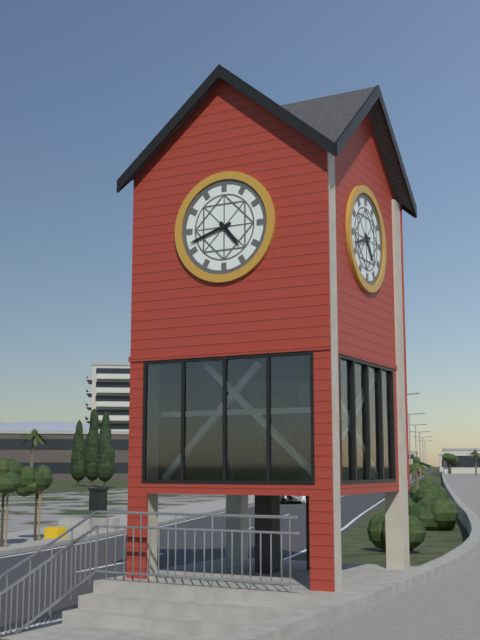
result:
4,42
